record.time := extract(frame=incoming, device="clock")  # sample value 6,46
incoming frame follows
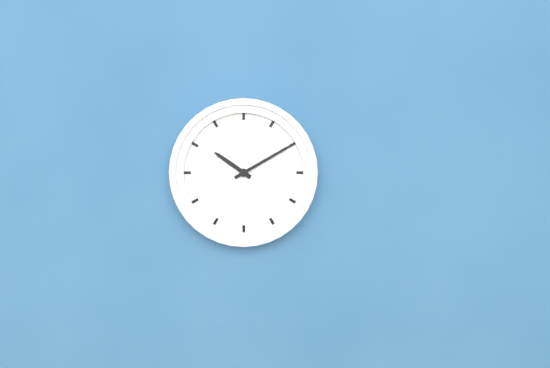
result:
10,10
